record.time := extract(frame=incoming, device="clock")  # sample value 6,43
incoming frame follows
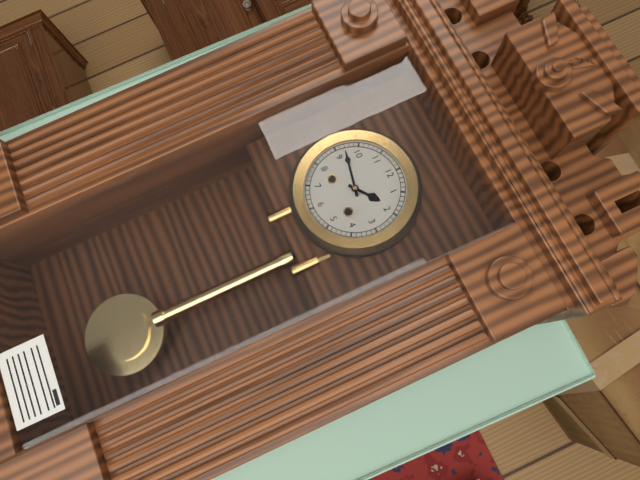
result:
1,47
